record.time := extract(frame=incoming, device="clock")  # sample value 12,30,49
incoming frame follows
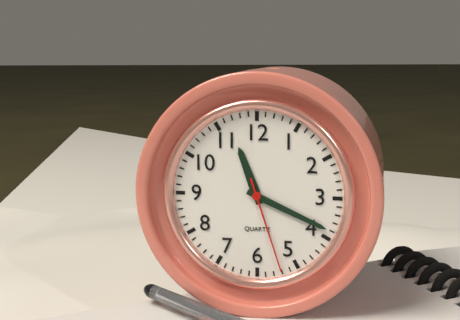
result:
11,19,27
